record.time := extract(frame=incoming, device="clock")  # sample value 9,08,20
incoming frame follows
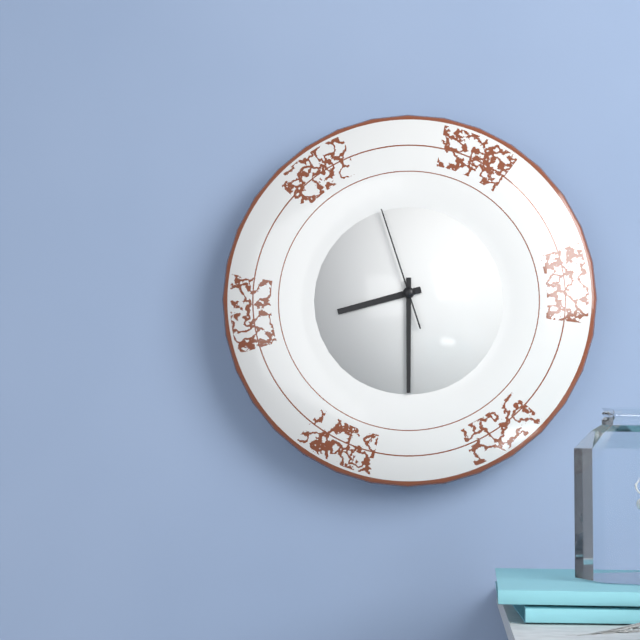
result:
8,30,57
